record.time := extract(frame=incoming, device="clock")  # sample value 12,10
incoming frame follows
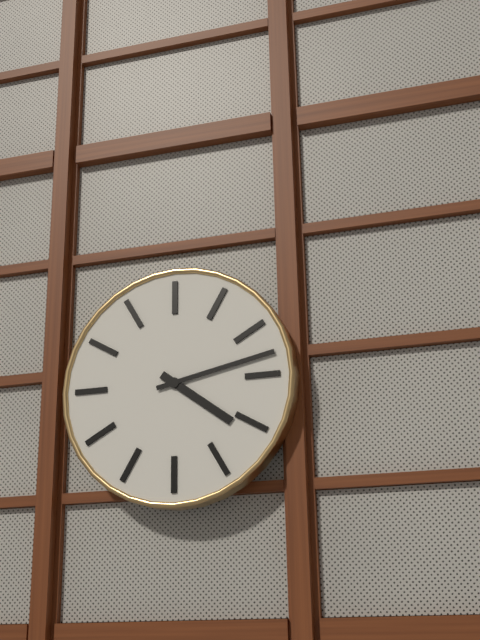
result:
4,13
